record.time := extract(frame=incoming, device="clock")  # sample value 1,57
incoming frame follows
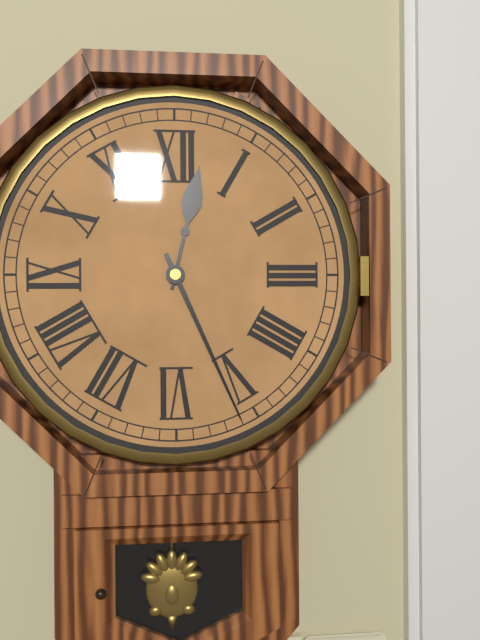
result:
12,26
